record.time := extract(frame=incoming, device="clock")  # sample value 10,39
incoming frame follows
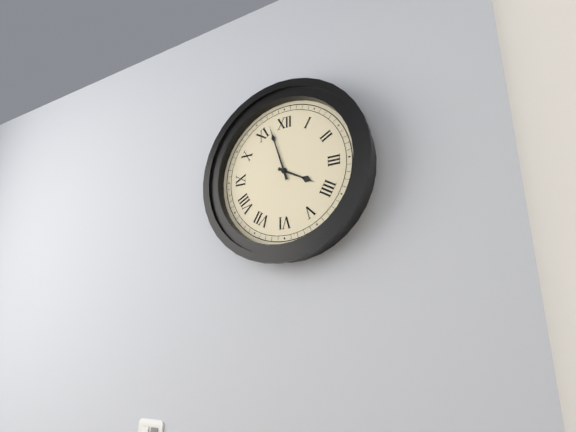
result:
3,57
